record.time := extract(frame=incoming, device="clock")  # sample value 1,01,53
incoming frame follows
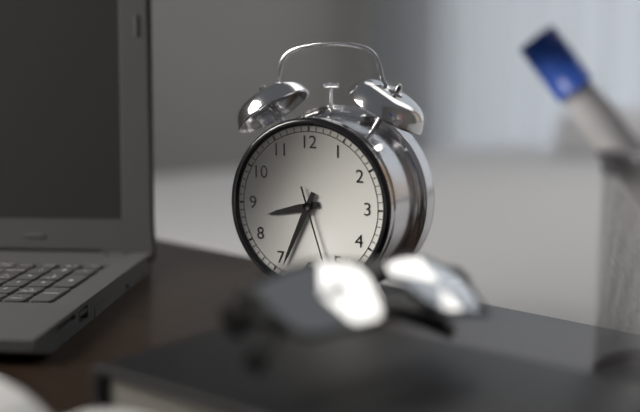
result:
8,34,27
